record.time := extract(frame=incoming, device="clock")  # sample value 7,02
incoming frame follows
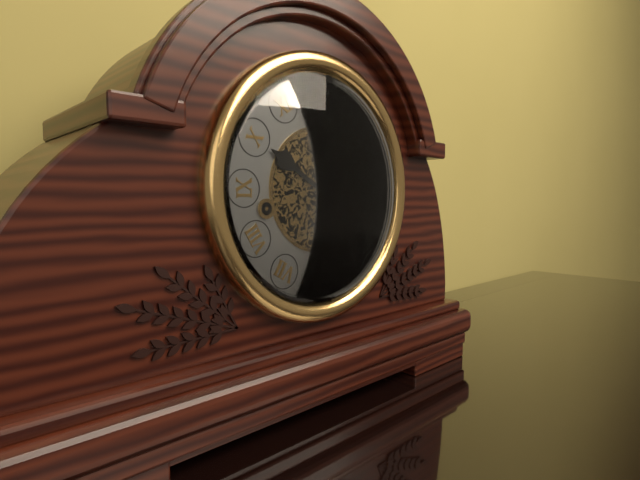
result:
10,00
